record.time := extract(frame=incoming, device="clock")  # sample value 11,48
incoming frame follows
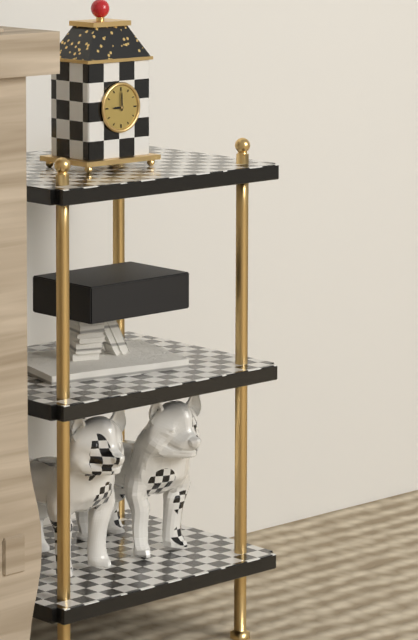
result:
9,00
